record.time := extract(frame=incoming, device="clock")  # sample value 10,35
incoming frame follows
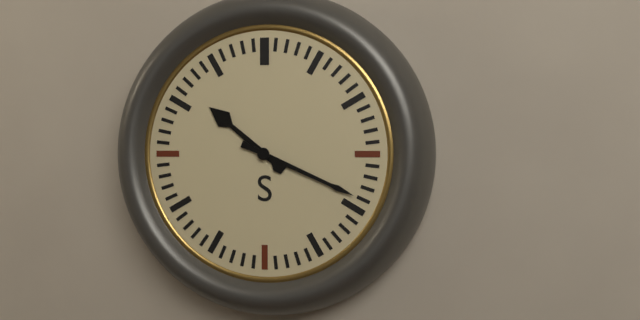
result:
10,19
